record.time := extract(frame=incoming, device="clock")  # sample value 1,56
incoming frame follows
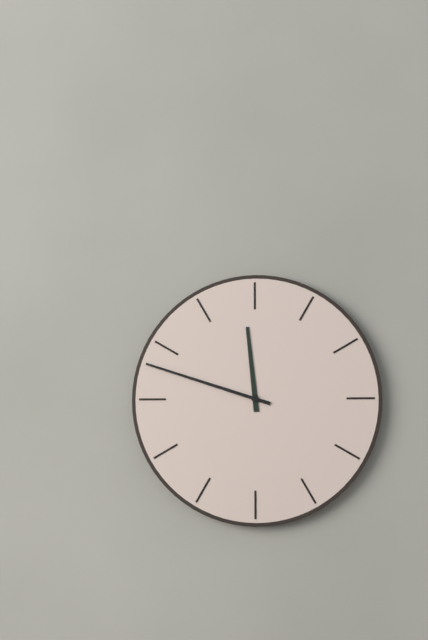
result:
11,48
